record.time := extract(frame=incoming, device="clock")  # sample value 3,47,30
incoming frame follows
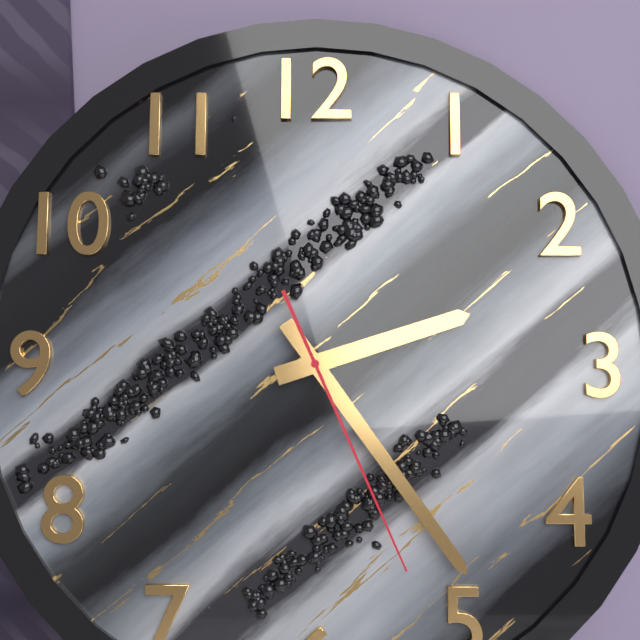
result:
2,24,26
